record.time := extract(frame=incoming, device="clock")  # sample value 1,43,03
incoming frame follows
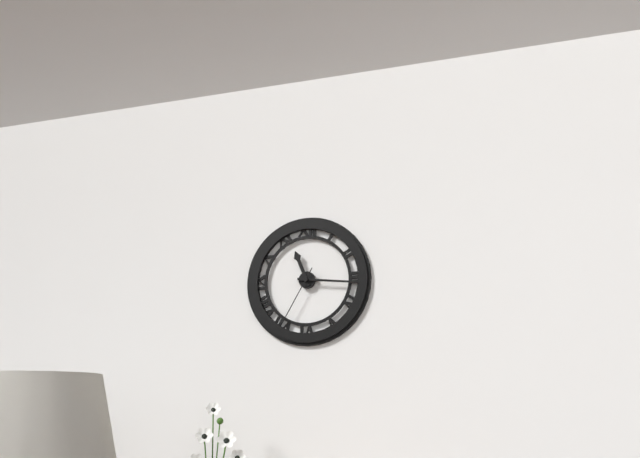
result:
11,16,35
